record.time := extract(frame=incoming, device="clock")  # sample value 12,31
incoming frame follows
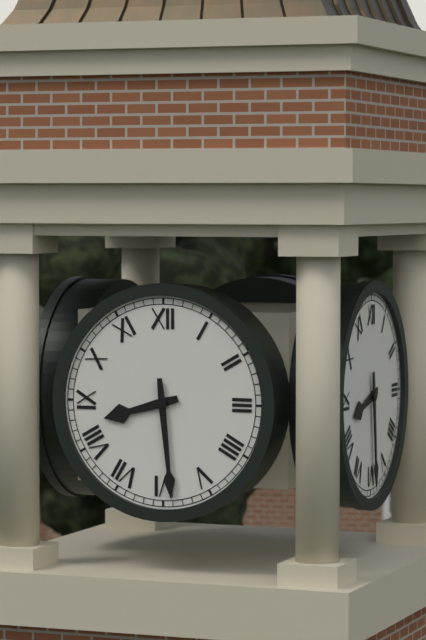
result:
8,29
